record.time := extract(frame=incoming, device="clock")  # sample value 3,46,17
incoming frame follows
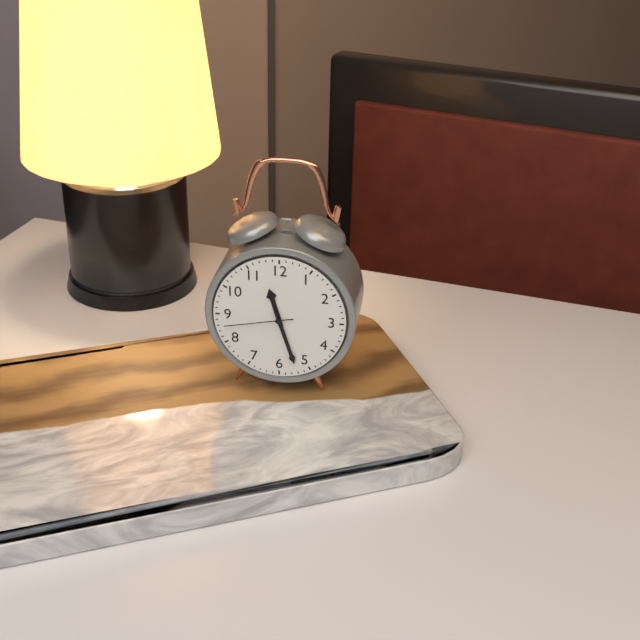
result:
11,27,43
